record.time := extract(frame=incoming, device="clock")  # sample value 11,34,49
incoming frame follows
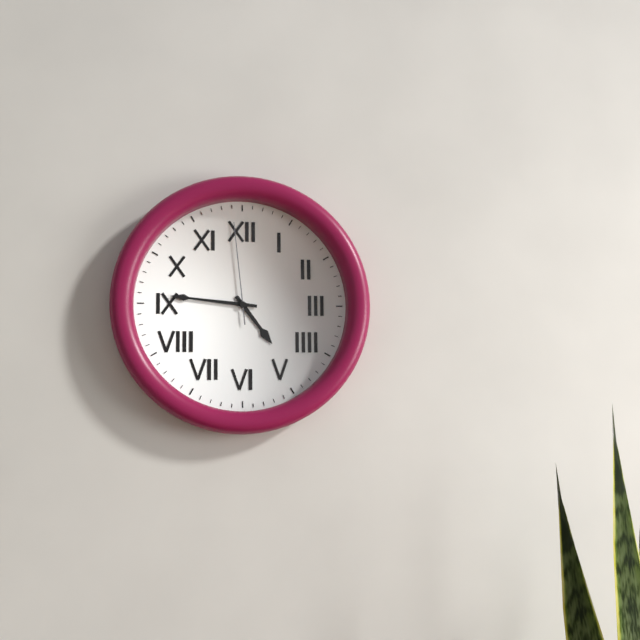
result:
4,46,59
